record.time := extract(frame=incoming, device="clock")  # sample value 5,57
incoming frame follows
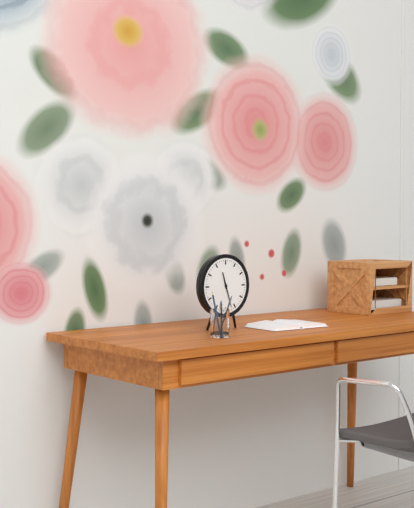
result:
11,27
